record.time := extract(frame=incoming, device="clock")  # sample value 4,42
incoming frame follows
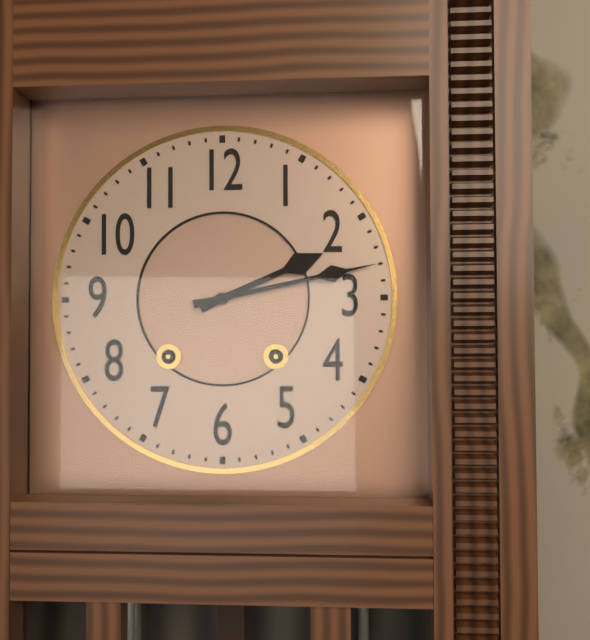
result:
2,13
